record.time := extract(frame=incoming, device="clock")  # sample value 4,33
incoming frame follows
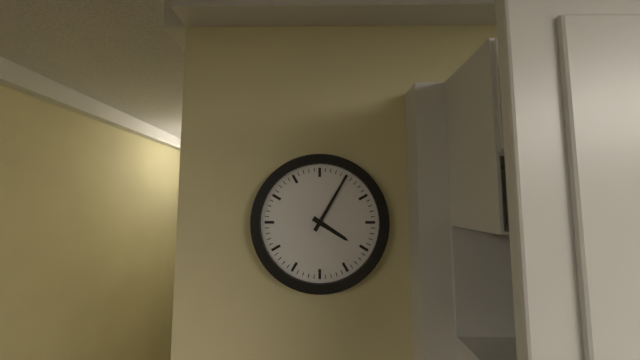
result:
4,05
